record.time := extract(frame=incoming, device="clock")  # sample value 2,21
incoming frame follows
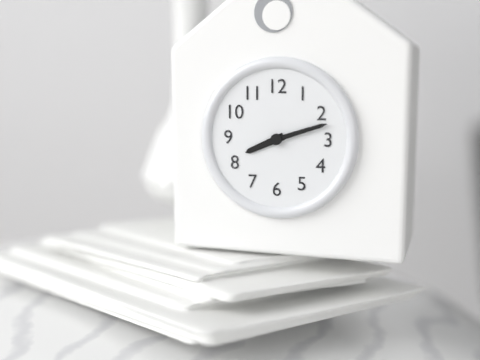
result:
8,12
